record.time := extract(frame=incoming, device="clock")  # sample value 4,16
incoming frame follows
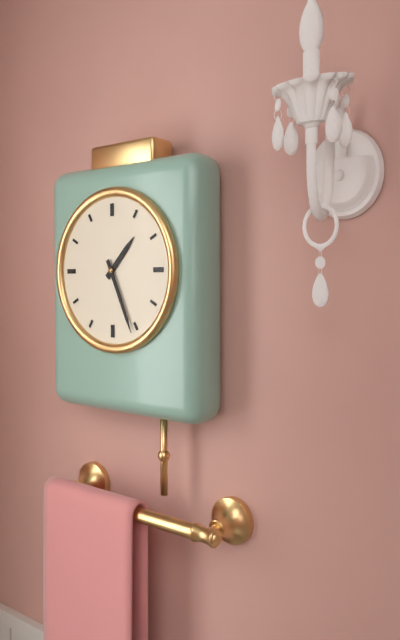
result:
1,26
